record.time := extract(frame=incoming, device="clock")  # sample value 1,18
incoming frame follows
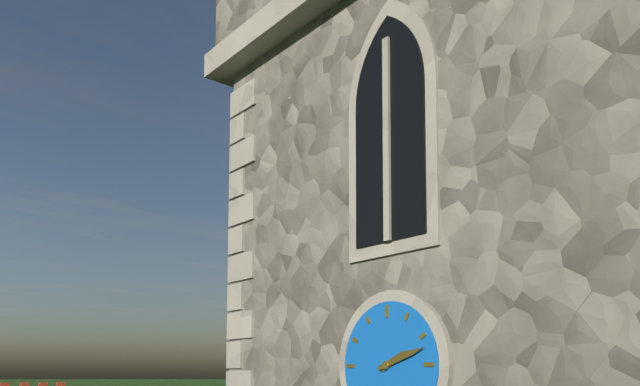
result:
2,12
